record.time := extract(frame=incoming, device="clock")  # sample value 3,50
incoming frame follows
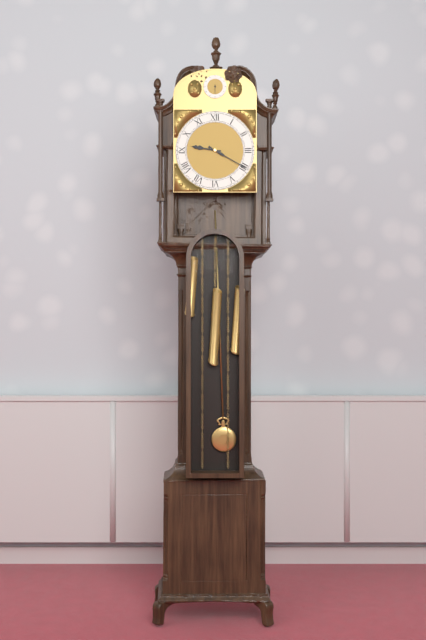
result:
9,20
